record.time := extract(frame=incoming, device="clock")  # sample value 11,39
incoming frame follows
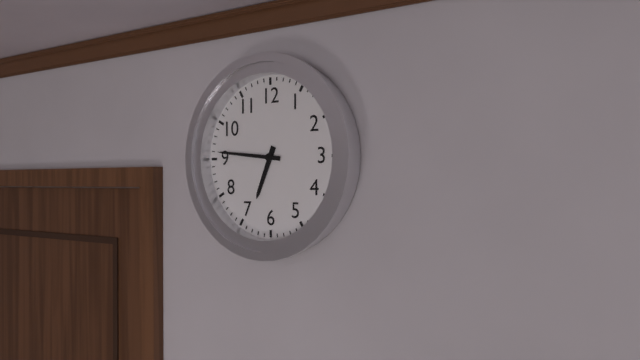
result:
6,46
